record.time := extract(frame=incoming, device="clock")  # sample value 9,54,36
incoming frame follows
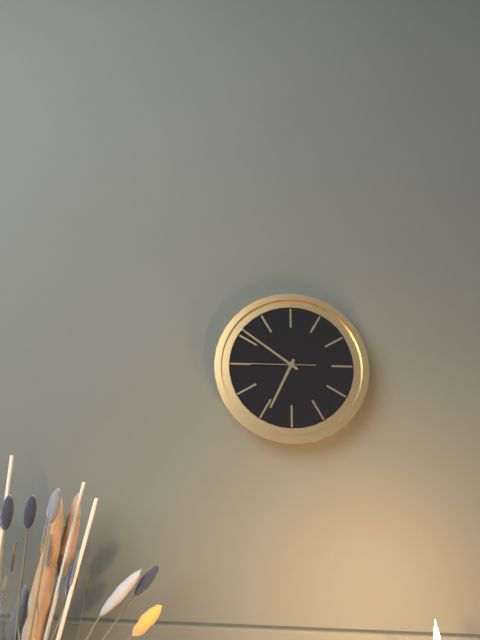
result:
6,51,45
